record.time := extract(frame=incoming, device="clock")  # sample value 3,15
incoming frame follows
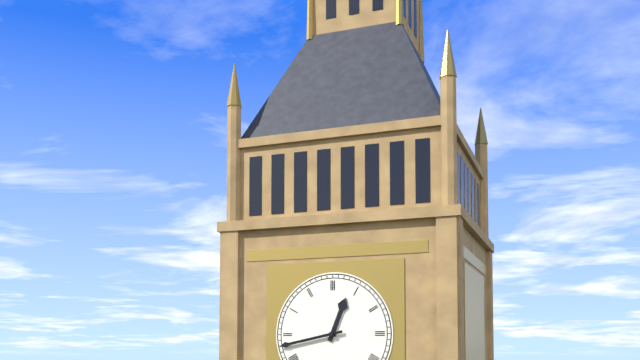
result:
12,43
